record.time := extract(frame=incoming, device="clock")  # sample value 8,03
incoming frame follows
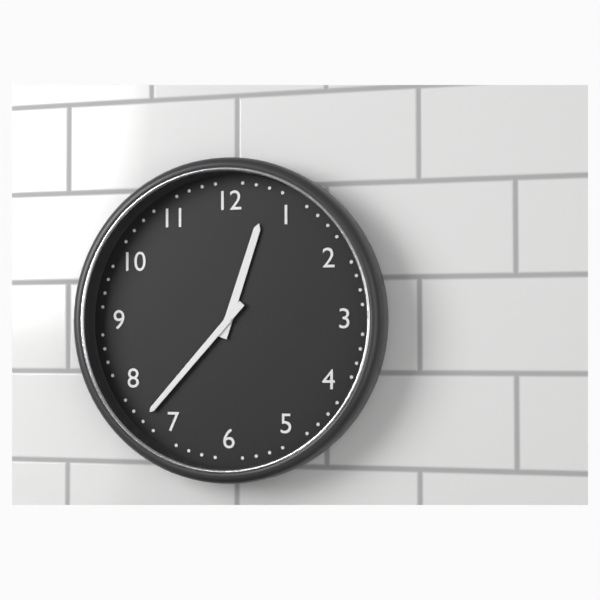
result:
12,37
